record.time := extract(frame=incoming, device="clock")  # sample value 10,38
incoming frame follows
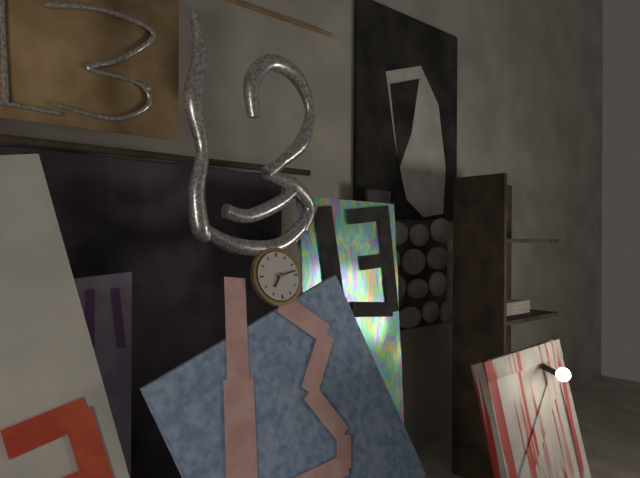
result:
7,13
